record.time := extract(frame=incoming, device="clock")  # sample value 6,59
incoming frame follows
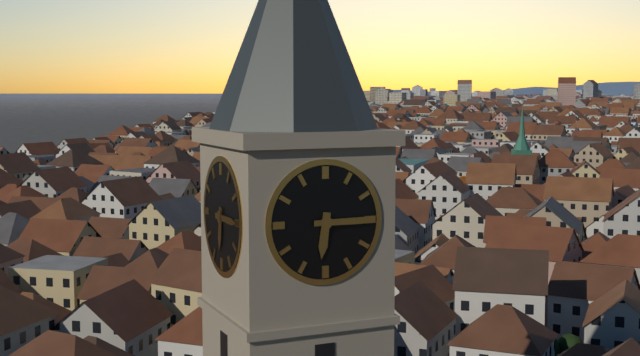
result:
6,15
